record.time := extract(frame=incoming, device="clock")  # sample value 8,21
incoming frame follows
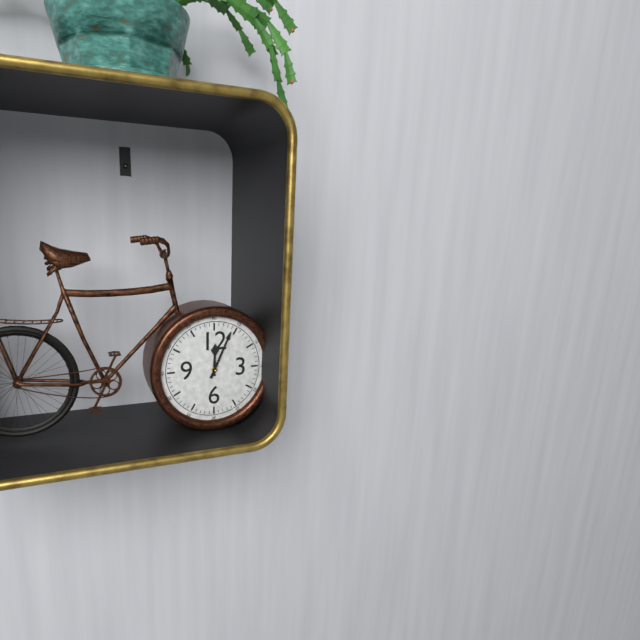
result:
12,04
